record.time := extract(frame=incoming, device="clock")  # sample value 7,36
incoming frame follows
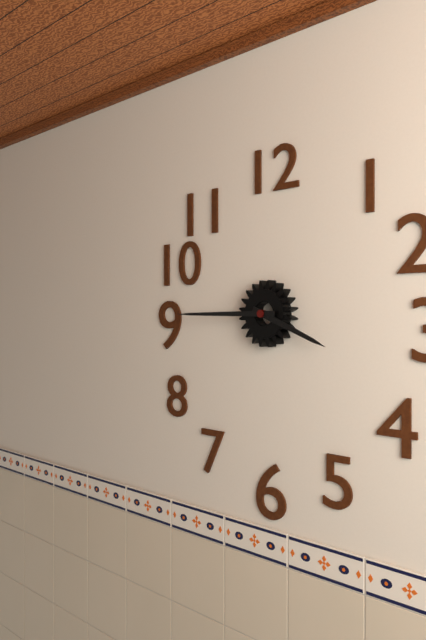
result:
3,45
